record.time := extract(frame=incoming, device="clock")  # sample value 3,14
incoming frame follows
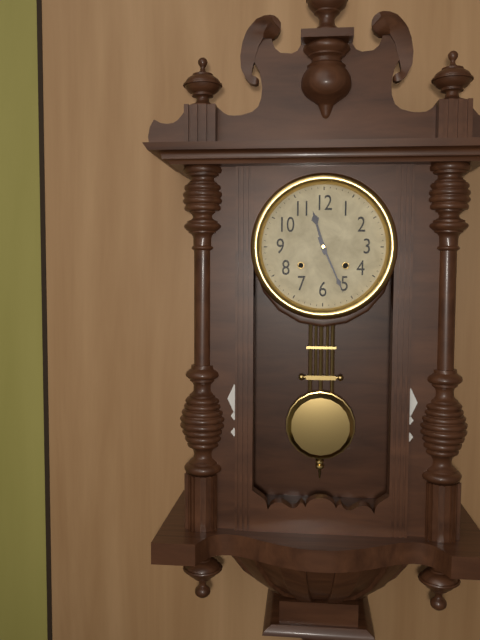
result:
11,26
